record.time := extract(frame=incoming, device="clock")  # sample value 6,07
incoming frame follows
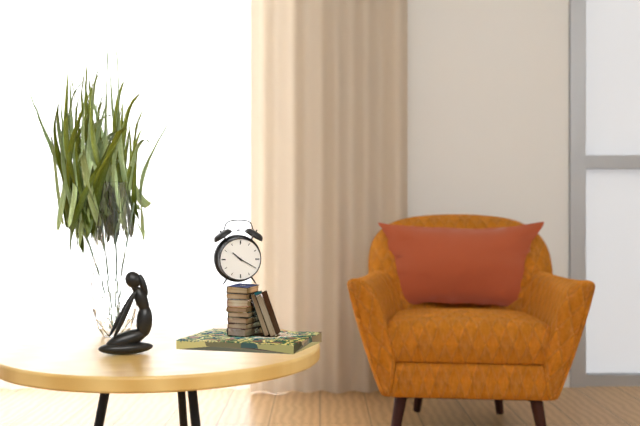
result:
10,20
